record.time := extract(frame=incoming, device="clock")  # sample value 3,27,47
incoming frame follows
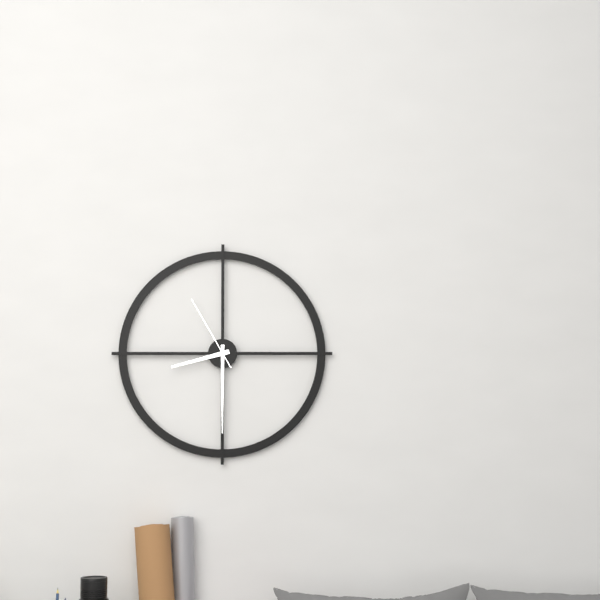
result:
8,30,55
